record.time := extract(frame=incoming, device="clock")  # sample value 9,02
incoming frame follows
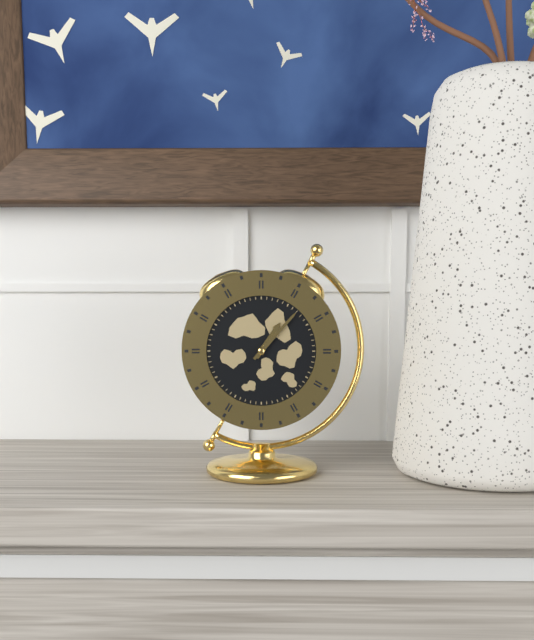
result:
1,07
